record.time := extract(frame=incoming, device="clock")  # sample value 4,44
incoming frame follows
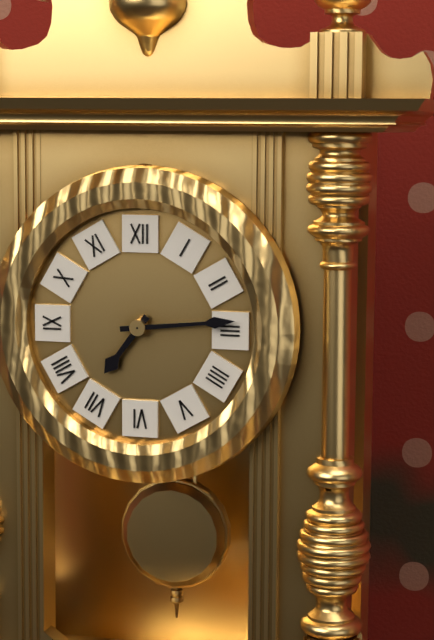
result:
7,14
